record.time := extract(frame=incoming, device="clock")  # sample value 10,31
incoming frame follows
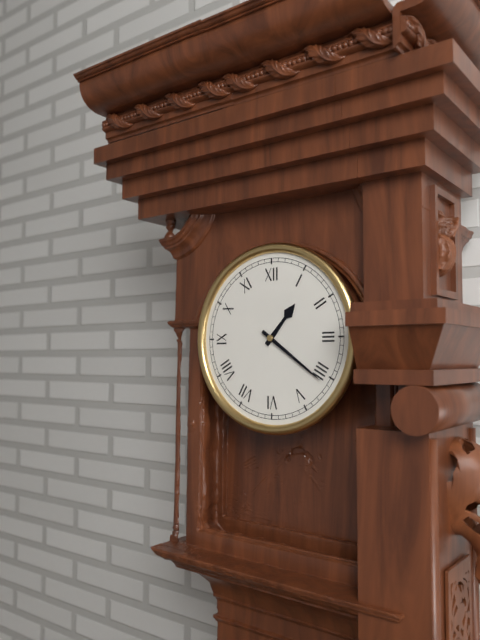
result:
1,21
